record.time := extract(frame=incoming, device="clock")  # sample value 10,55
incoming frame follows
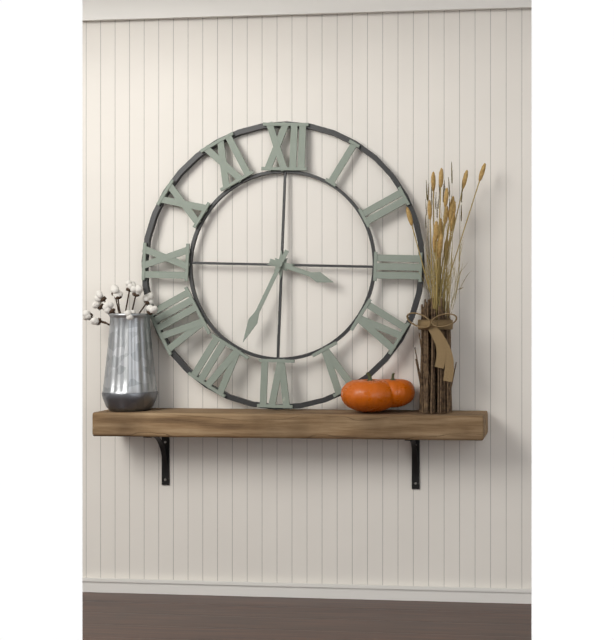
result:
3,34
